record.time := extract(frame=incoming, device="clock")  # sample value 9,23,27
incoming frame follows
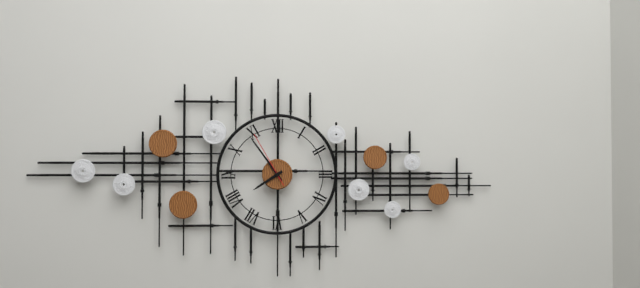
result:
7,54,55
